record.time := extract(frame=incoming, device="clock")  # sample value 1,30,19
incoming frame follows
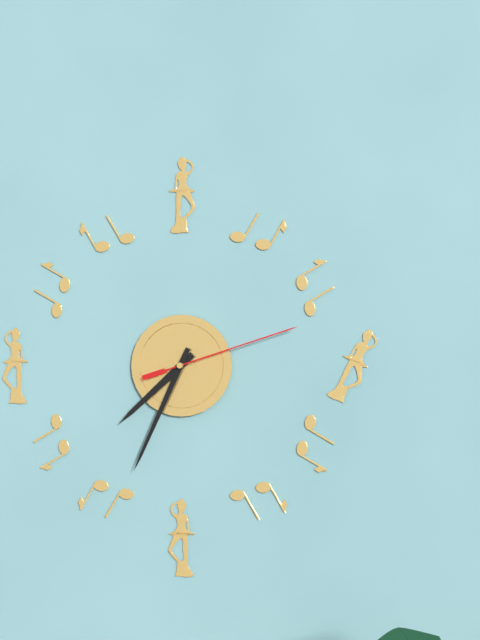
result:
7,34,12
